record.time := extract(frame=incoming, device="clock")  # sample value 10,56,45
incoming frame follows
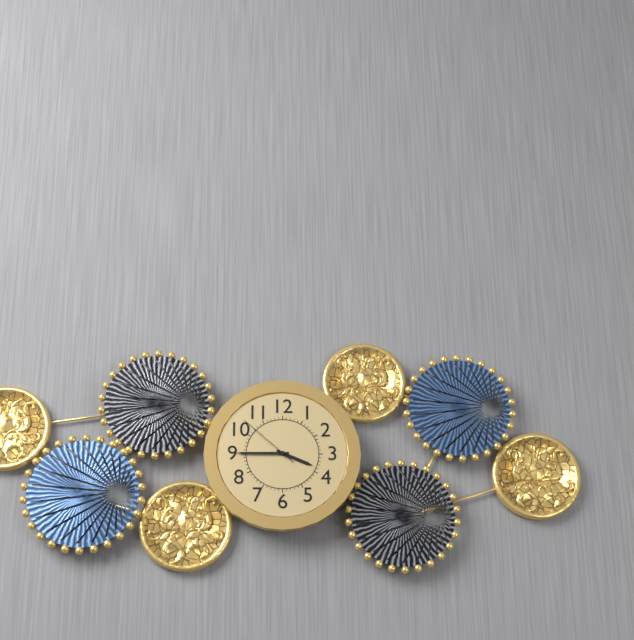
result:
3,45,52
